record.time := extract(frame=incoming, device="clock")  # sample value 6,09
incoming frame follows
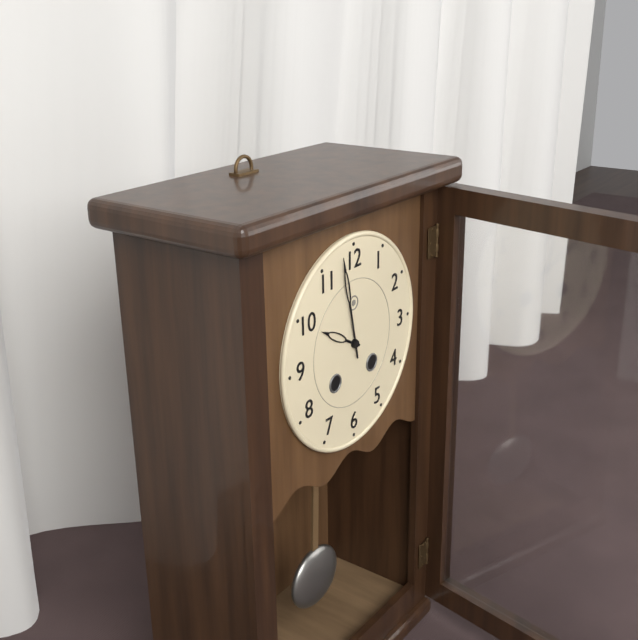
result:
9,58
